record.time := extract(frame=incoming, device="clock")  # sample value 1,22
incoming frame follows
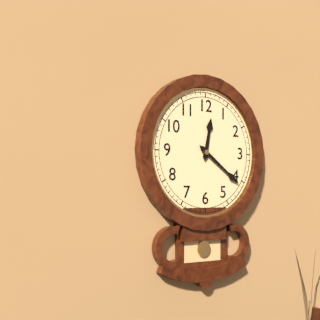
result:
12,21
